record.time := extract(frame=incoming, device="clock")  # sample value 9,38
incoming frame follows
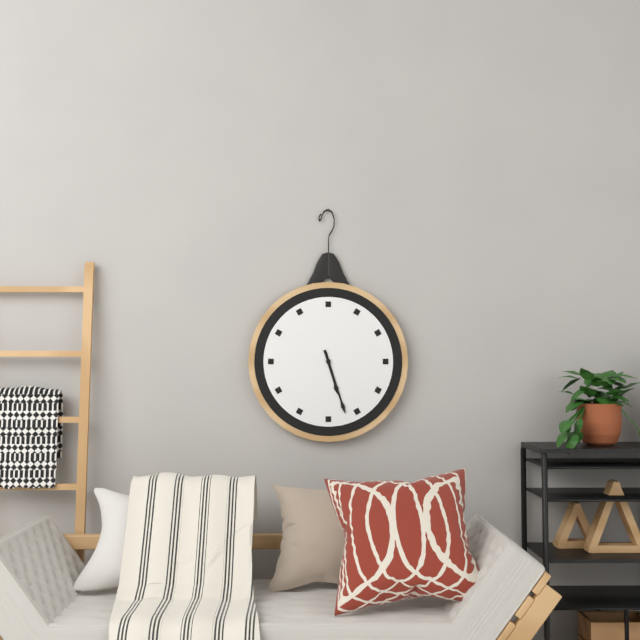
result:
5,27
